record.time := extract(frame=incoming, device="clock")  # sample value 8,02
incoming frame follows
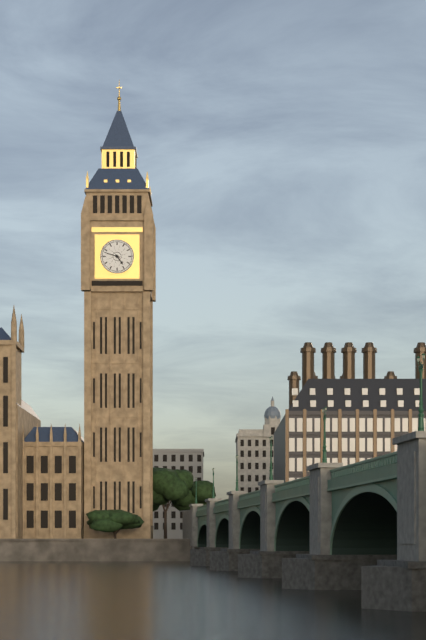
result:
4,48
